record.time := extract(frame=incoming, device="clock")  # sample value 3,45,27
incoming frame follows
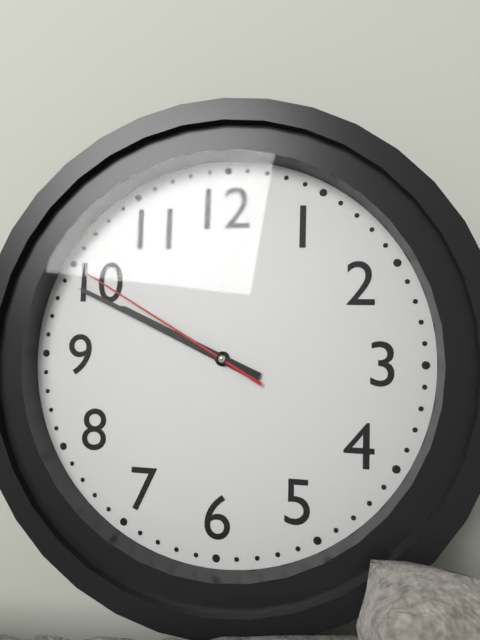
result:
9,49,50
